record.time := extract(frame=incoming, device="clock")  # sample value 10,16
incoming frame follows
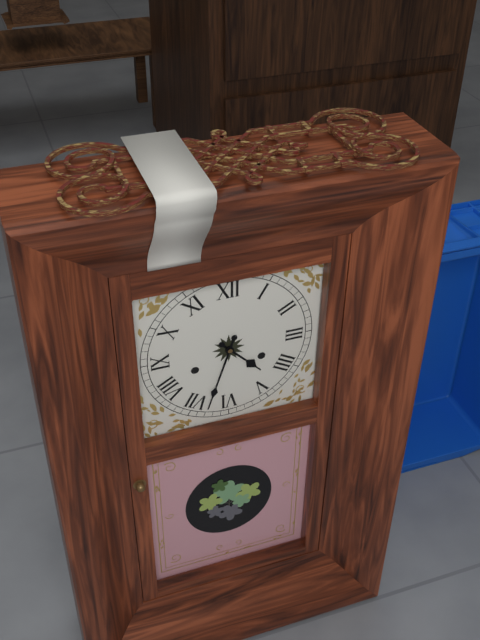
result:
4,33
